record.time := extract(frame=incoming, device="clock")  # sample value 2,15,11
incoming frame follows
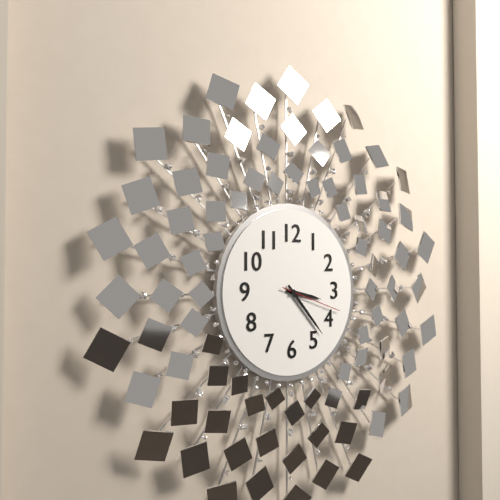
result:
3,23,18
